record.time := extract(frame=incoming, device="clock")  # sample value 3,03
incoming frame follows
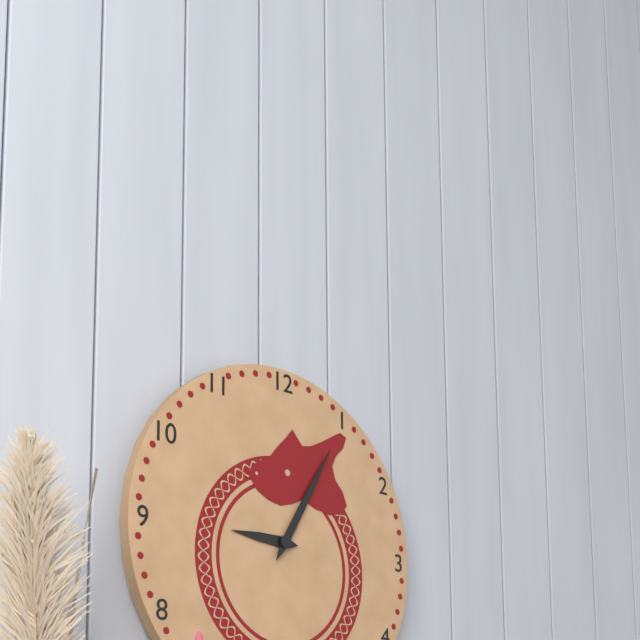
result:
9,05
